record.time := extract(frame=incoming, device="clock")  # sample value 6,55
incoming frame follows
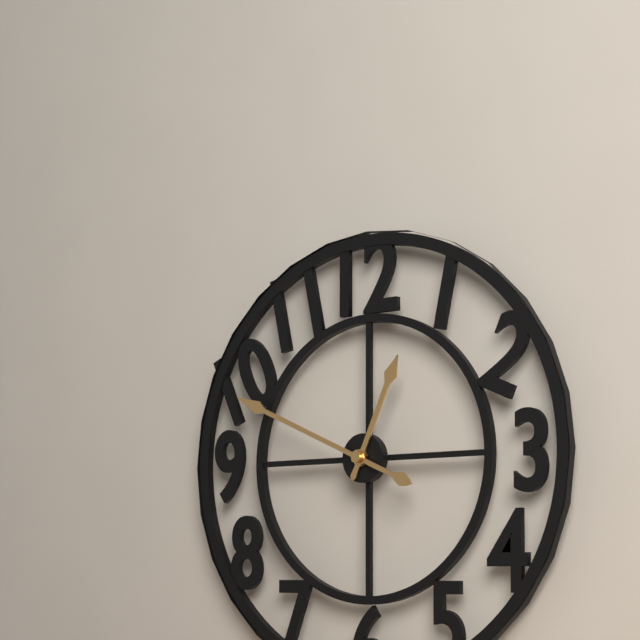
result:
12,49
